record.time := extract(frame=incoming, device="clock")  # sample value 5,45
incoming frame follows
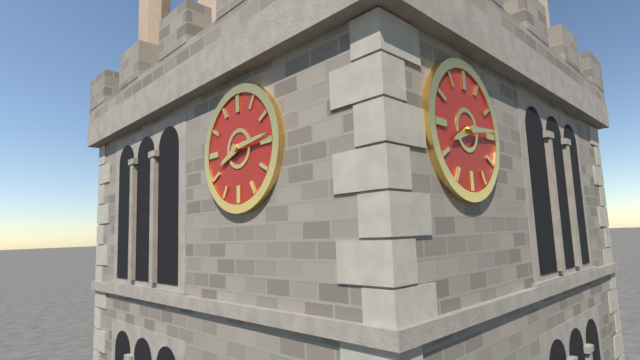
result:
8,14
